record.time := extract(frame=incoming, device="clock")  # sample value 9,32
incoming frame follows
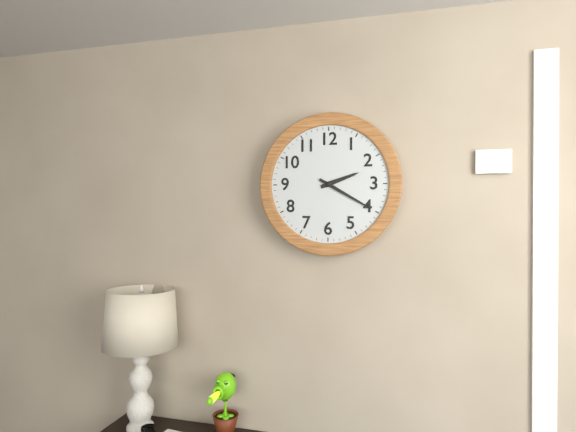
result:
2,20
